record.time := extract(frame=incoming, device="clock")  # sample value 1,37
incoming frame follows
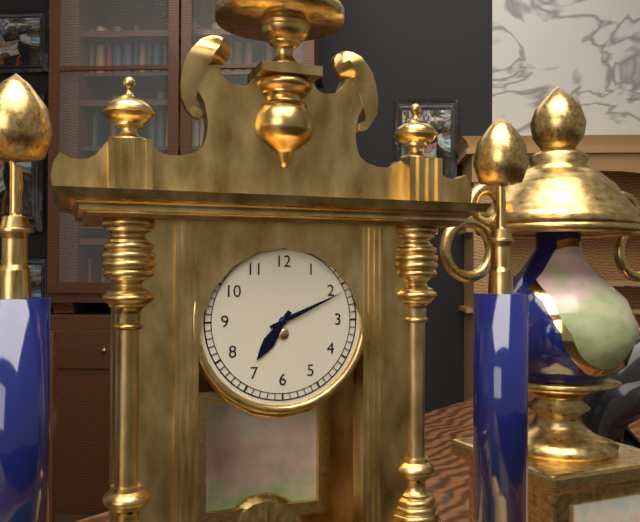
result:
7,11
